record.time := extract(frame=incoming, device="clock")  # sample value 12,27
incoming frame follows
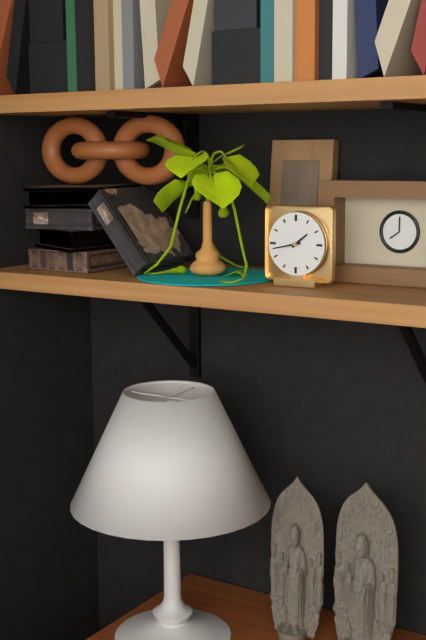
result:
1,43
